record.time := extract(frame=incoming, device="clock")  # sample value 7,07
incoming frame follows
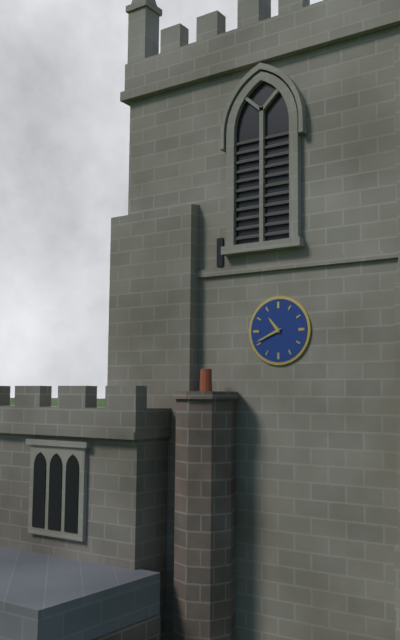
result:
10,41
